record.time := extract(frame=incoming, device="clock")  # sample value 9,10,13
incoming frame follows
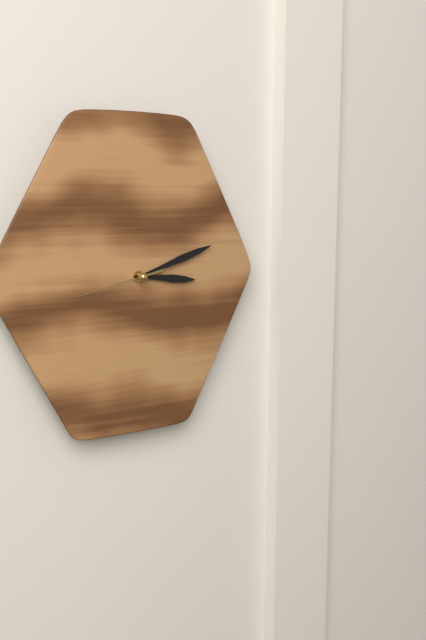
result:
3,12,43
